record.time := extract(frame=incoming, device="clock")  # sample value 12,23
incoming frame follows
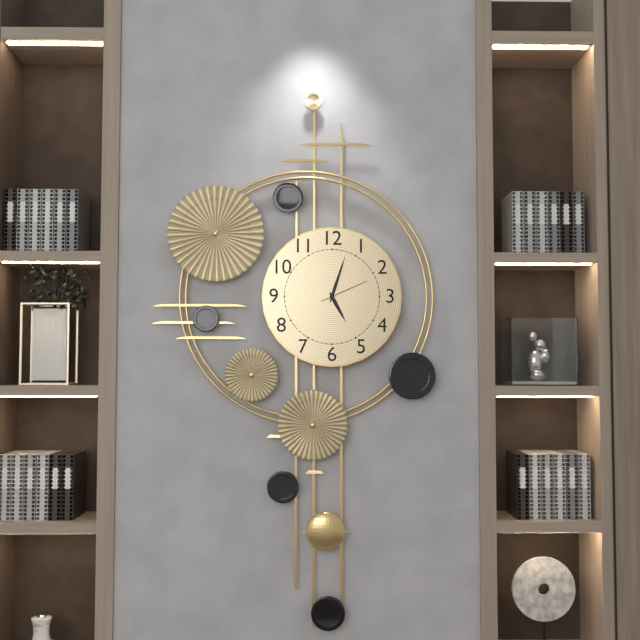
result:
5,03
